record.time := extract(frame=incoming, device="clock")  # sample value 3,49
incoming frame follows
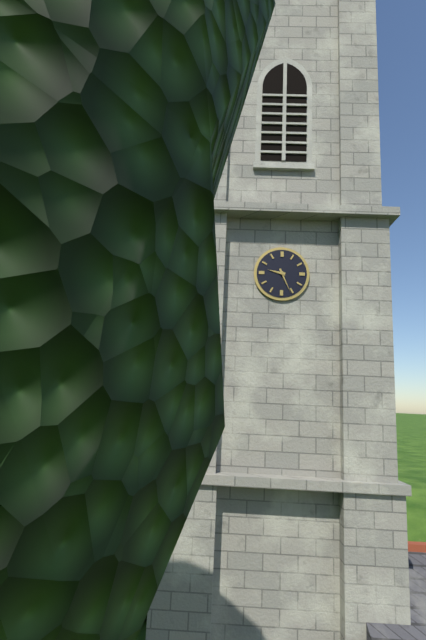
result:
9,26
